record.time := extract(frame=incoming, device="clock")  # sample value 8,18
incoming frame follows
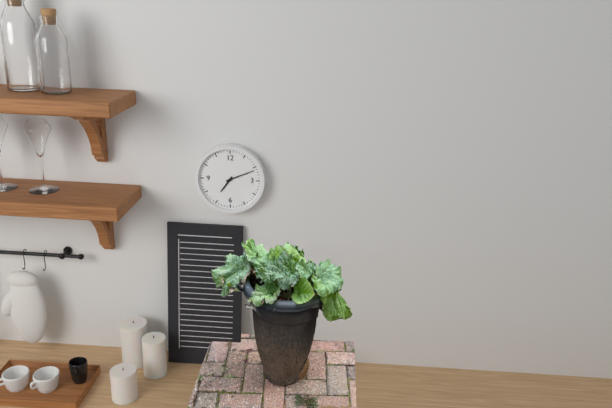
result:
7,11
